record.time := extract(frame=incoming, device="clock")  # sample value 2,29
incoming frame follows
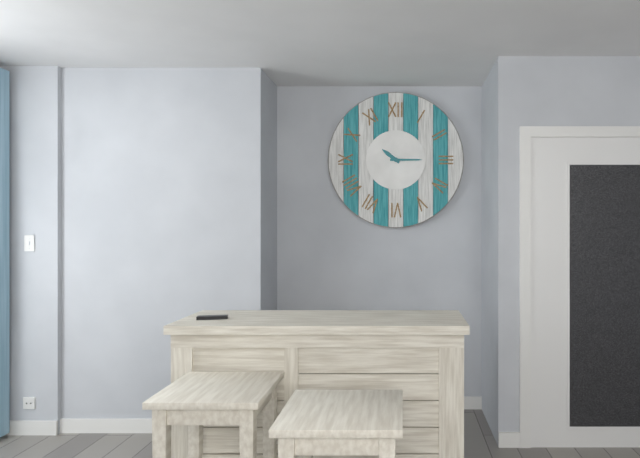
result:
10,15
